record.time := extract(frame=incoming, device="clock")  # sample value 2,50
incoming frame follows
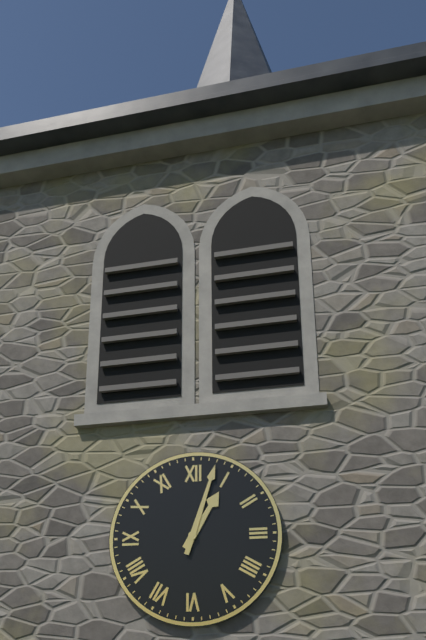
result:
1,03
